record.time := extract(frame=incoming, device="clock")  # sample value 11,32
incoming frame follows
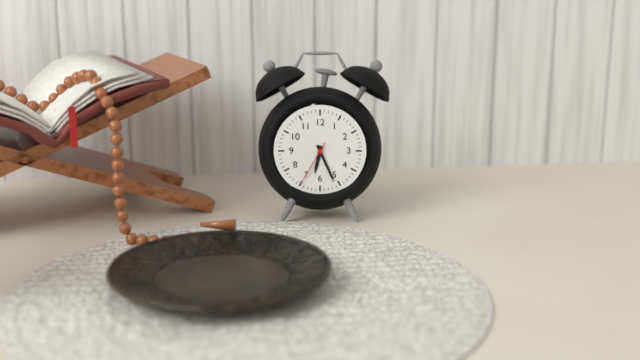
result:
6,26
